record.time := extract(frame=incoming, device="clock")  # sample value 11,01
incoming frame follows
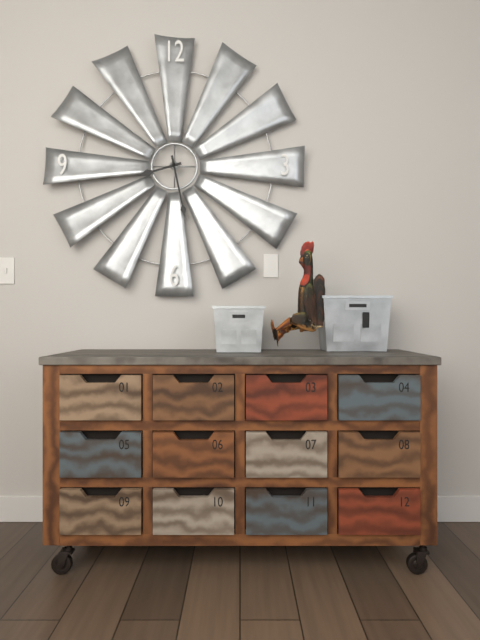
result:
8,28
